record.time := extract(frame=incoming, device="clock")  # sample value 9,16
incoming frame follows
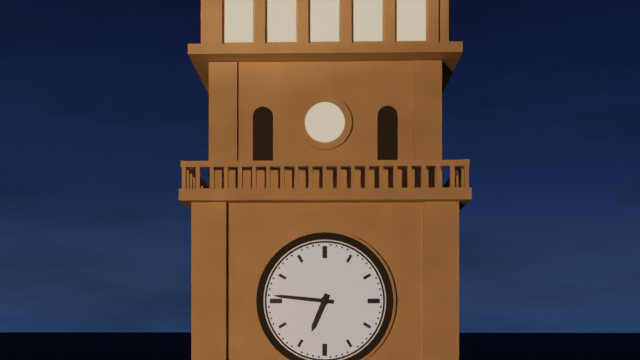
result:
6,46
